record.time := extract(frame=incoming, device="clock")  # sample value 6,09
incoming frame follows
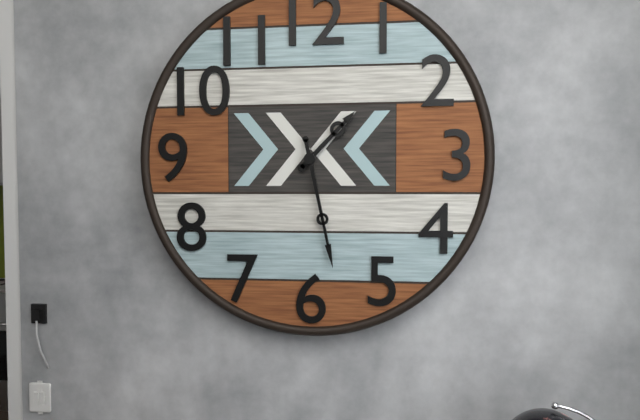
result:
1,28
